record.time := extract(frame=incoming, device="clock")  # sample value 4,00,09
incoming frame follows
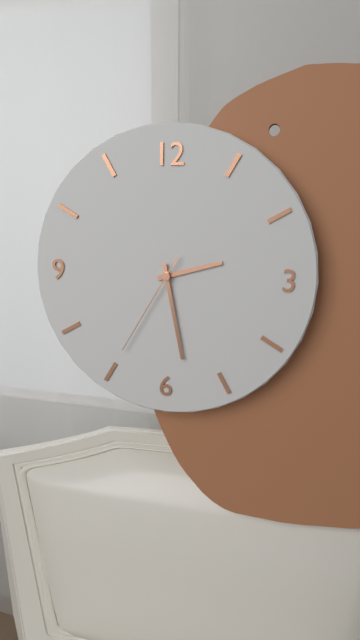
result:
2,28,35
